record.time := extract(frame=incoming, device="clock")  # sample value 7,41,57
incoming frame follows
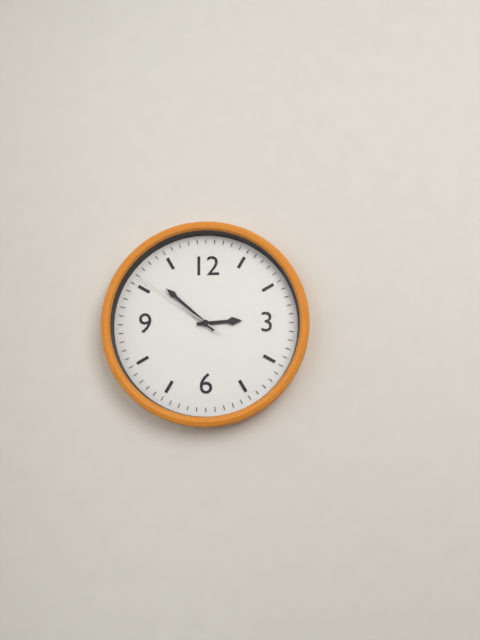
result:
2,52,51
